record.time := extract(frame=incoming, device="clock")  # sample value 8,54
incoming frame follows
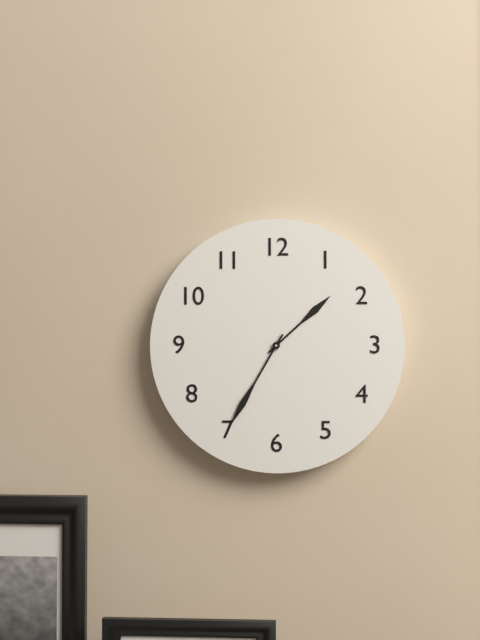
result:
1,35
